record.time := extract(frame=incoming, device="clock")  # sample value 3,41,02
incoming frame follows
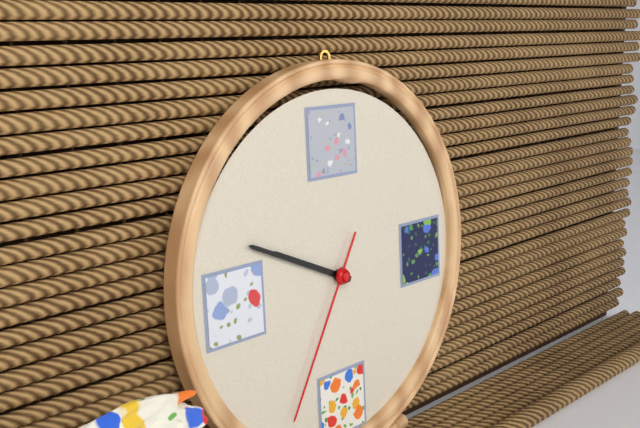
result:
9,49,35
